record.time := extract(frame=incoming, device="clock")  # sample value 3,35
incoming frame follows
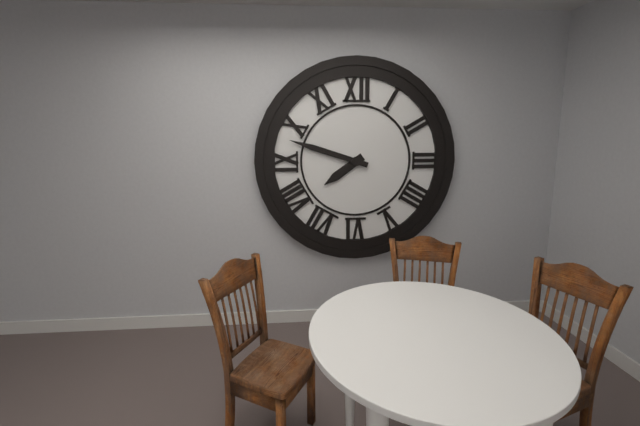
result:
7,48
